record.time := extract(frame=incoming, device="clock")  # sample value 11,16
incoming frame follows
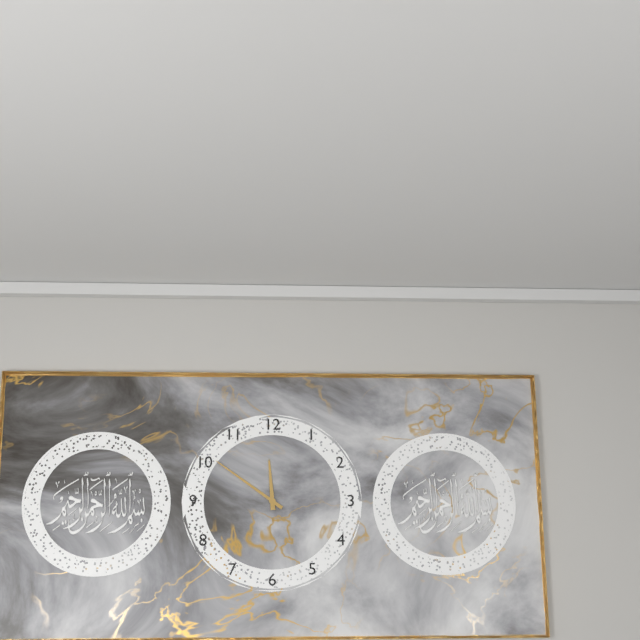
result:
11,51
